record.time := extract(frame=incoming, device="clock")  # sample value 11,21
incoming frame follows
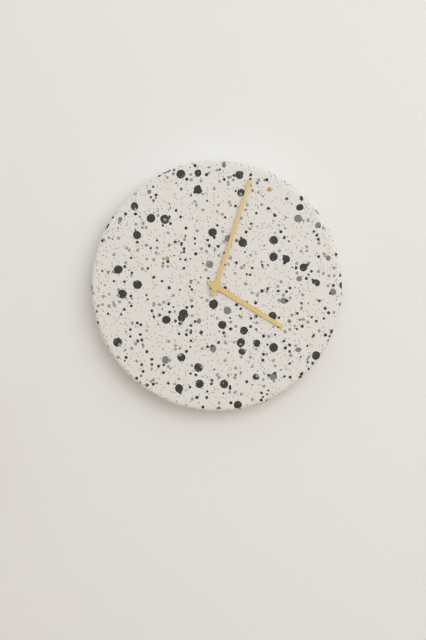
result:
4,03
